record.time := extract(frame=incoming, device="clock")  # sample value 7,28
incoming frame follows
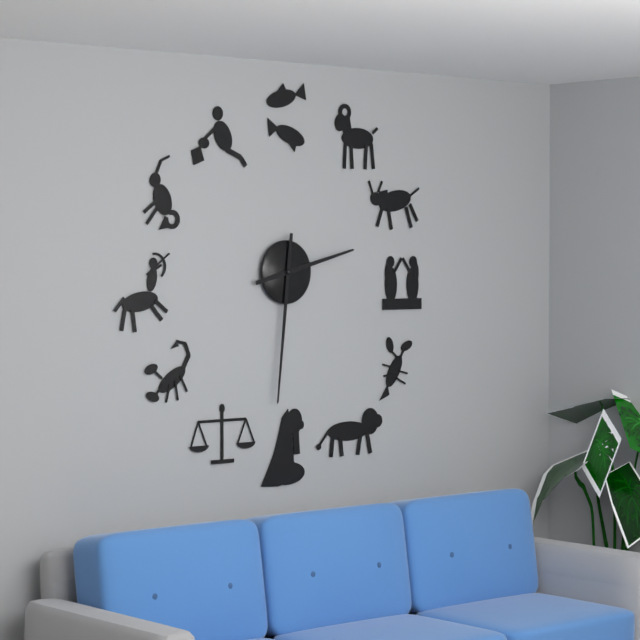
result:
2,31
